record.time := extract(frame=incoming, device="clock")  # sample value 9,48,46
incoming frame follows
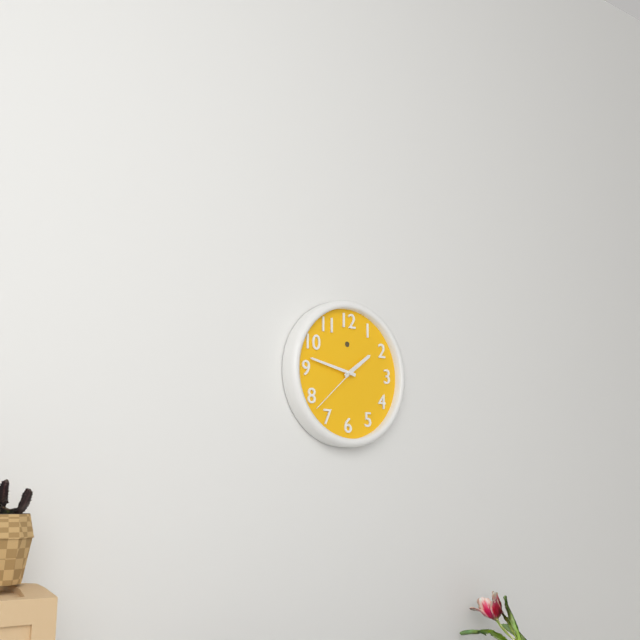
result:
1,47,38
